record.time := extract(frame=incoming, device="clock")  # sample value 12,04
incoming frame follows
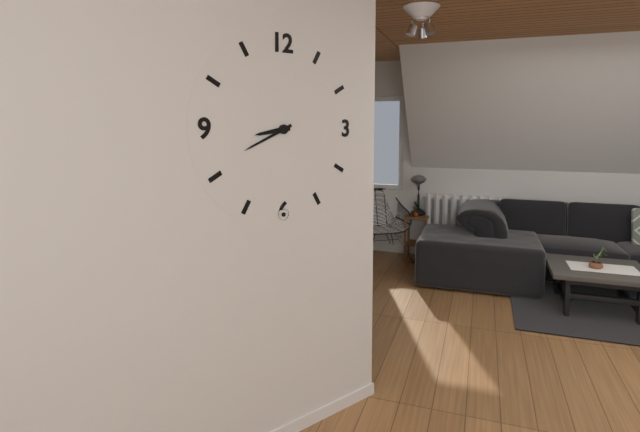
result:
8,41
